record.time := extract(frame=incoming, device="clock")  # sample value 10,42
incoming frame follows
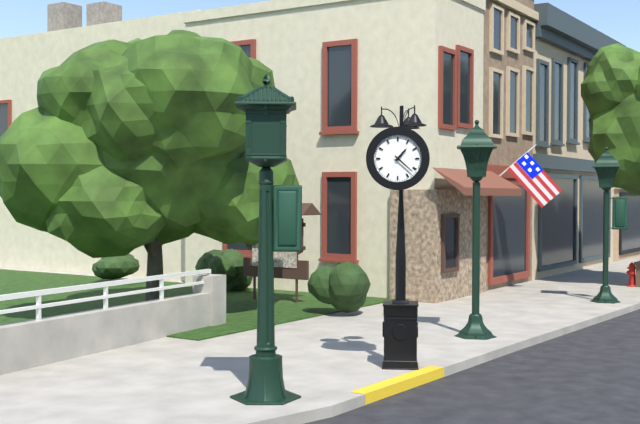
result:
1,22
